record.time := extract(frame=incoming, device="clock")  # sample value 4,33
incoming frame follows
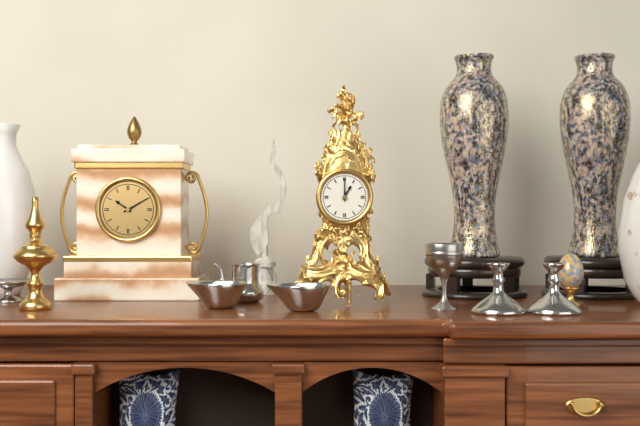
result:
1,00
